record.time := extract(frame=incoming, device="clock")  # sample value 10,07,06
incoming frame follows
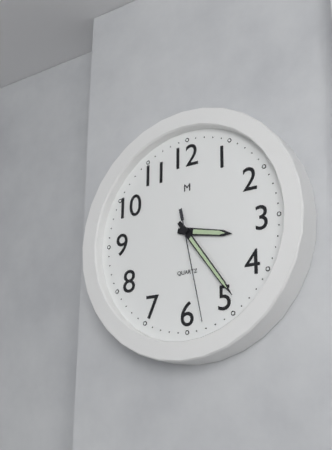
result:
3,24,28
